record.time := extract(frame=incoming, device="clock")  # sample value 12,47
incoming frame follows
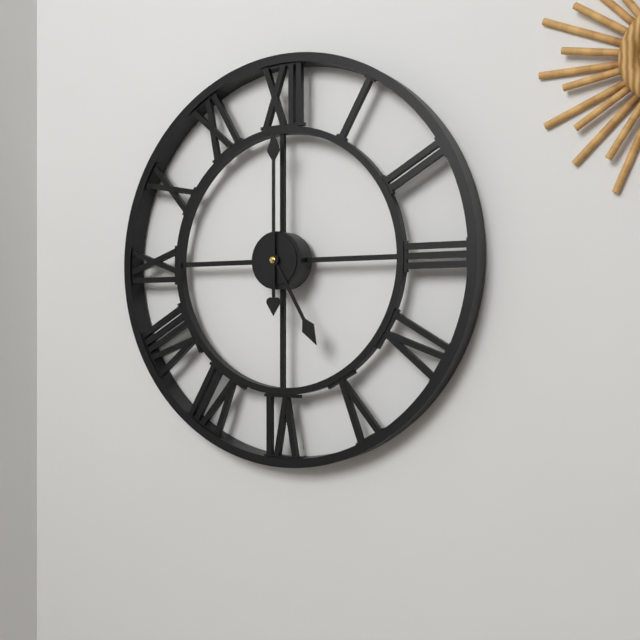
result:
5,00
